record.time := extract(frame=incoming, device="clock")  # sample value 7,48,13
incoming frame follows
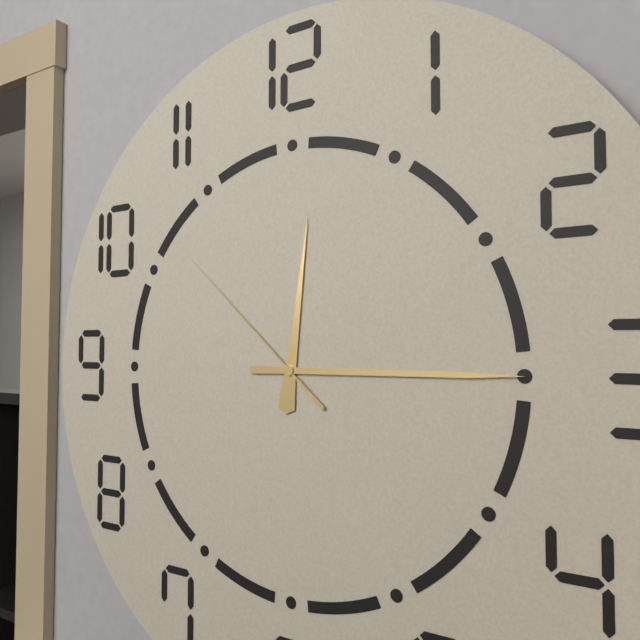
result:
12,15,52
